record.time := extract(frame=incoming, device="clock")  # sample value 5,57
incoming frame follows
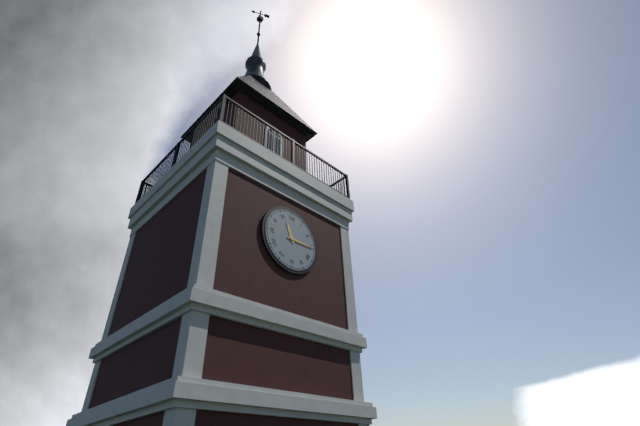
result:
11,15
